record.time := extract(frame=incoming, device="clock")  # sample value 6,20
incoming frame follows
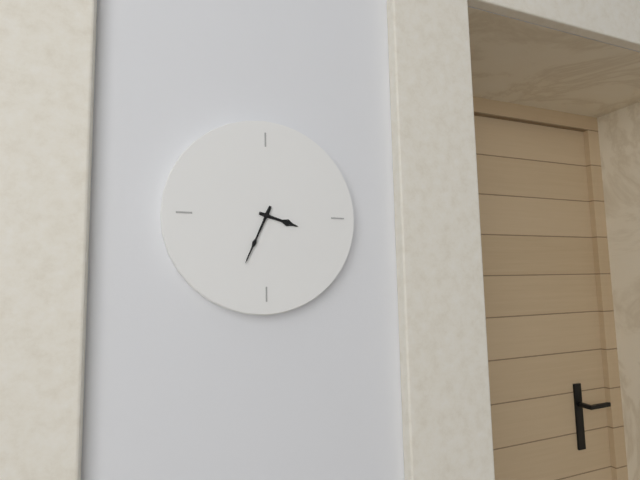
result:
3,34
